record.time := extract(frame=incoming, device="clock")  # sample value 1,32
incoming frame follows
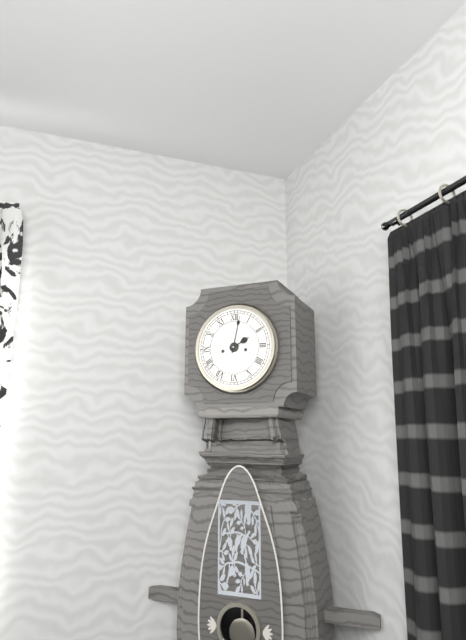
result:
2,02
